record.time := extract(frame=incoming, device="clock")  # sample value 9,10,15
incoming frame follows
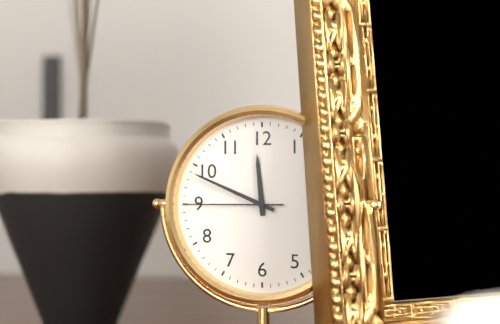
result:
11,49,45
